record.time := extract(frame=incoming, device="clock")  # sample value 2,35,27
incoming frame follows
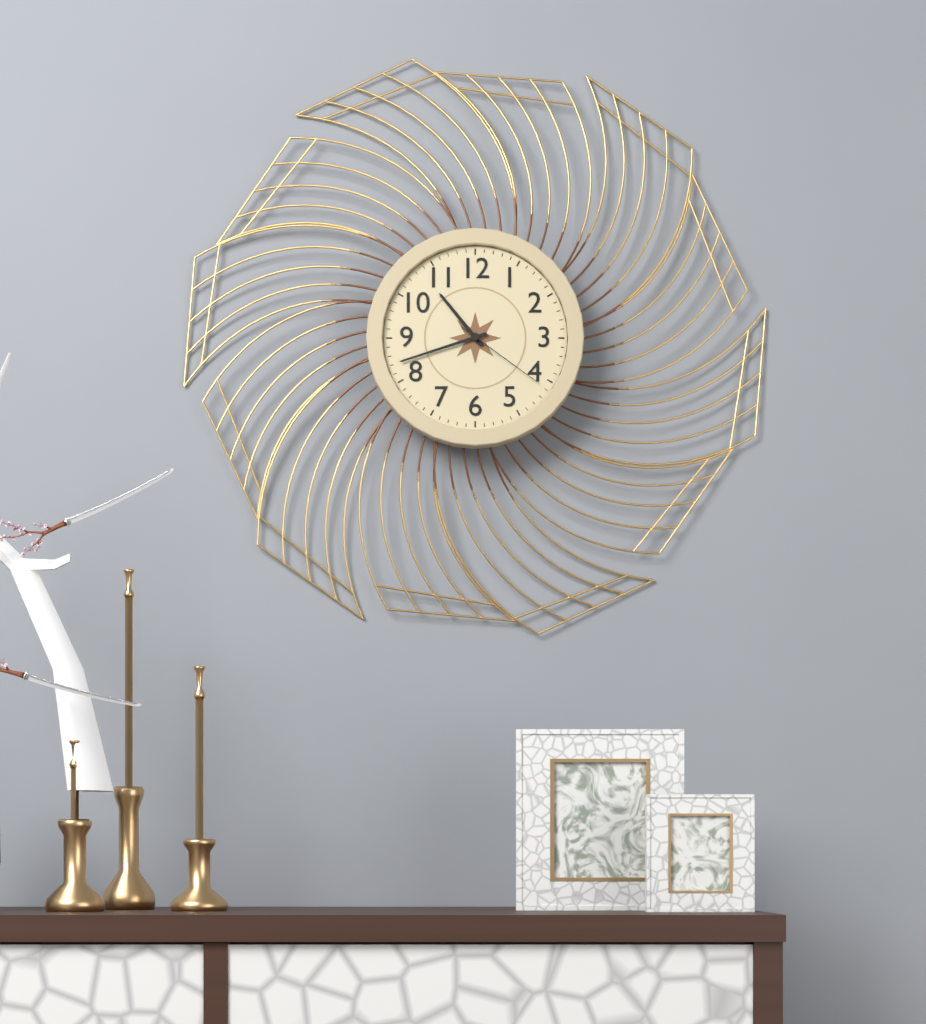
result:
10,42,21
